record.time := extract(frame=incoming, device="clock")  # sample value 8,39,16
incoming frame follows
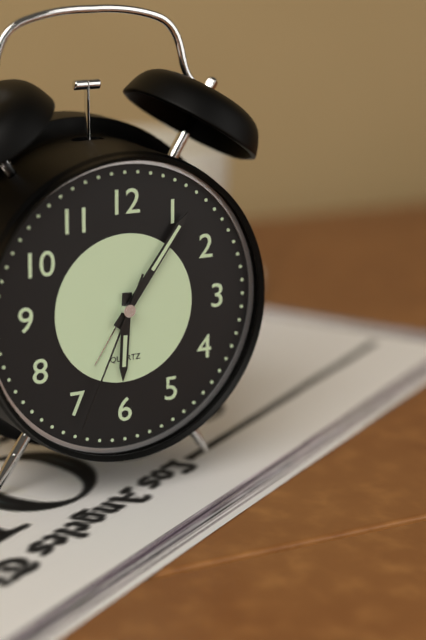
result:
6,06,34
